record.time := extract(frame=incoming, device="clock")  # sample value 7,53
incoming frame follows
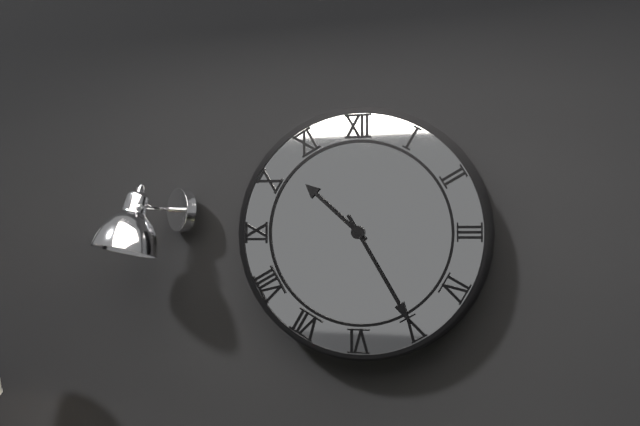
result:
10,25
